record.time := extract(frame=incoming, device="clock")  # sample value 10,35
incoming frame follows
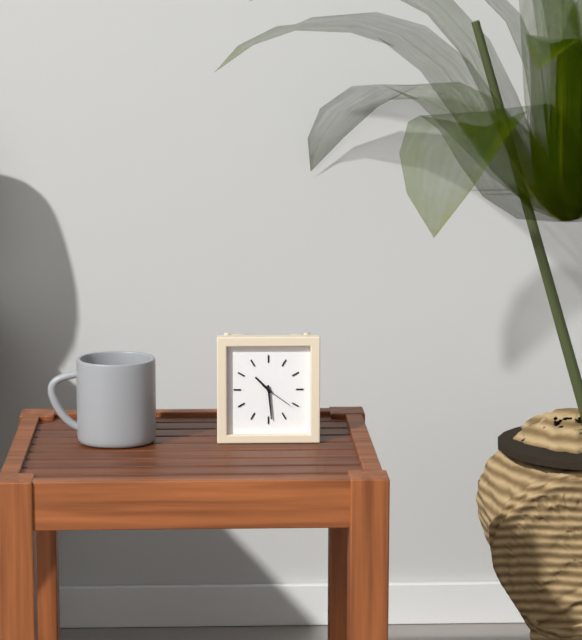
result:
10,29
